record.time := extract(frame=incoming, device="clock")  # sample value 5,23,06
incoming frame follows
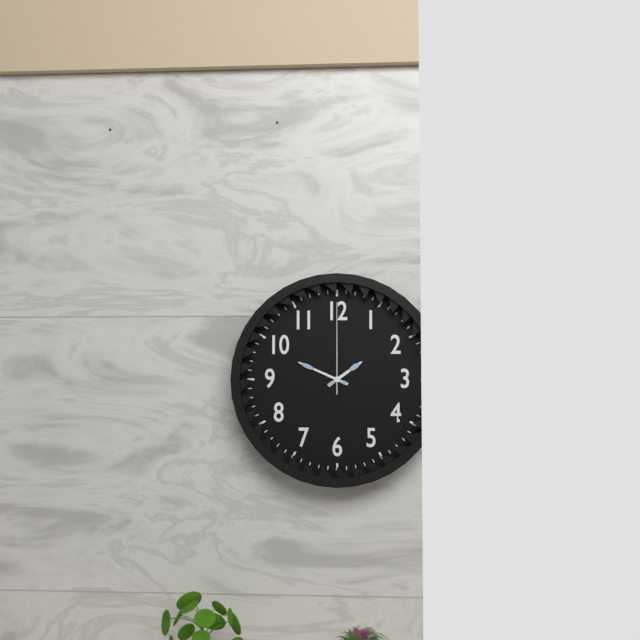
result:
1,49,00
